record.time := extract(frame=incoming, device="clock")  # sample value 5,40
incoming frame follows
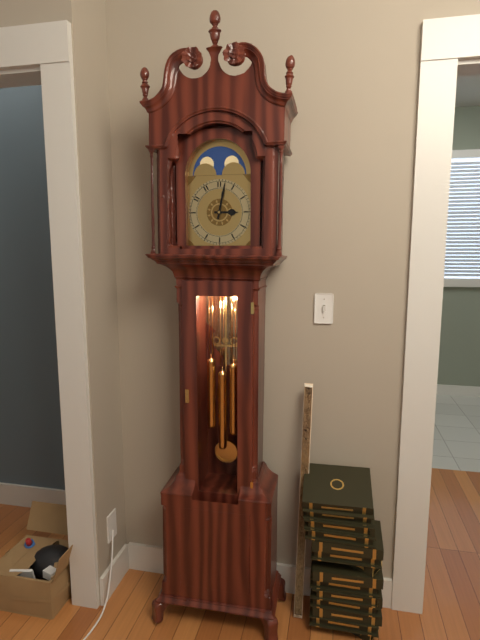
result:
3,02
